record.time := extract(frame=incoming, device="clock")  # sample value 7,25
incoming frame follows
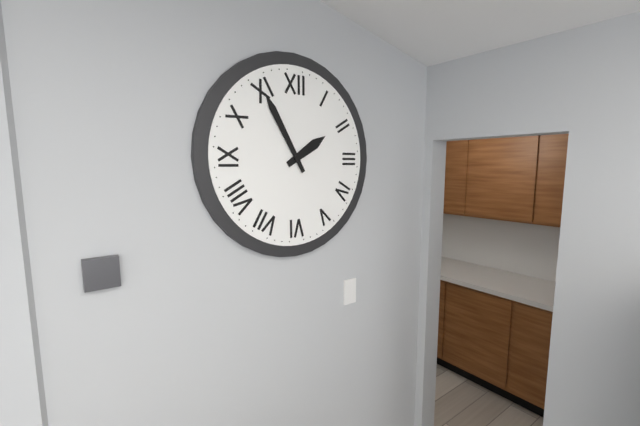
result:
1,55
